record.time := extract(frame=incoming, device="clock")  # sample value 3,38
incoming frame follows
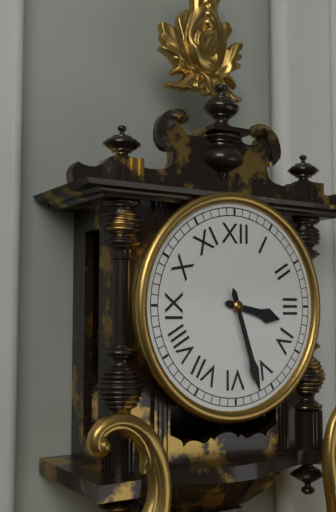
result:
3,27
